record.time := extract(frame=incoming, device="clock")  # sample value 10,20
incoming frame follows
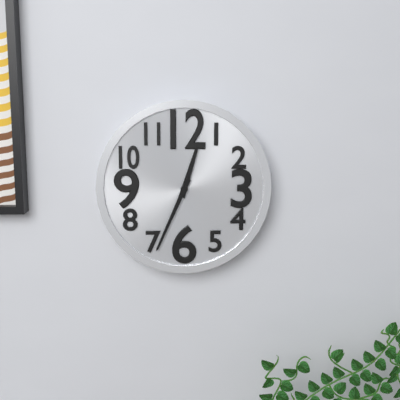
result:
12,34
